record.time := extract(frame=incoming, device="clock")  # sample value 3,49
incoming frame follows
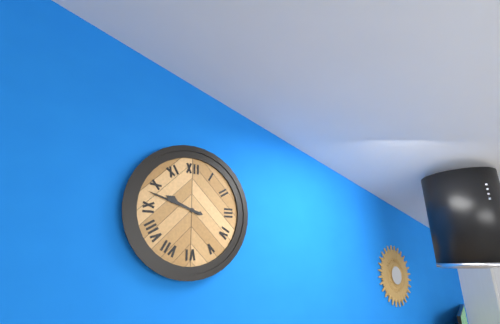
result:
9,48
